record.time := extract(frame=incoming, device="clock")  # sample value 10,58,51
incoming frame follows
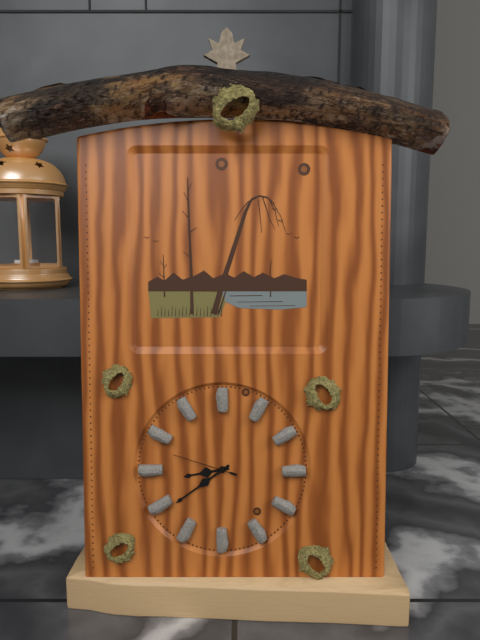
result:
8,39,48
